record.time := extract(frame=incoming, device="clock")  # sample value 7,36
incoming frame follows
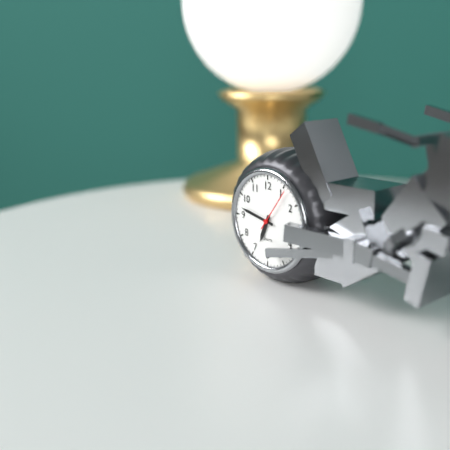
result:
6,47
